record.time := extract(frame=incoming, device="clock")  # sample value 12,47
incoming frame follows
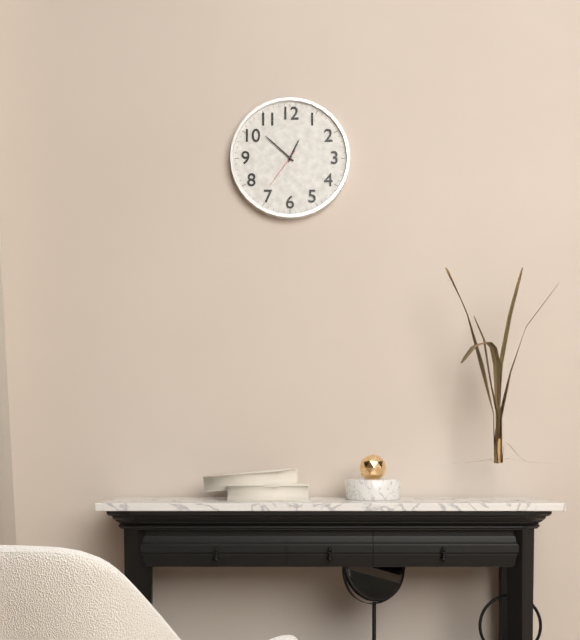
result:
12,52
